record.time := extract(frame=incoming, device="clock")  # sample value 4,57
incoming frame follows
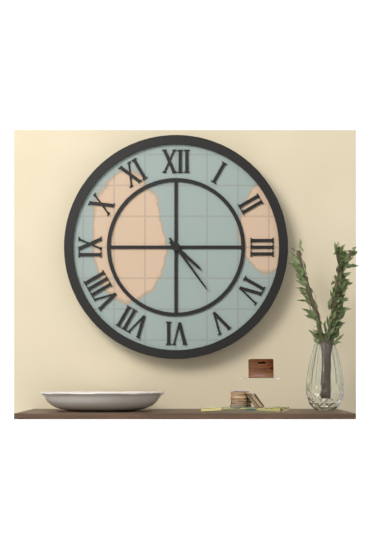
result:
4,24
